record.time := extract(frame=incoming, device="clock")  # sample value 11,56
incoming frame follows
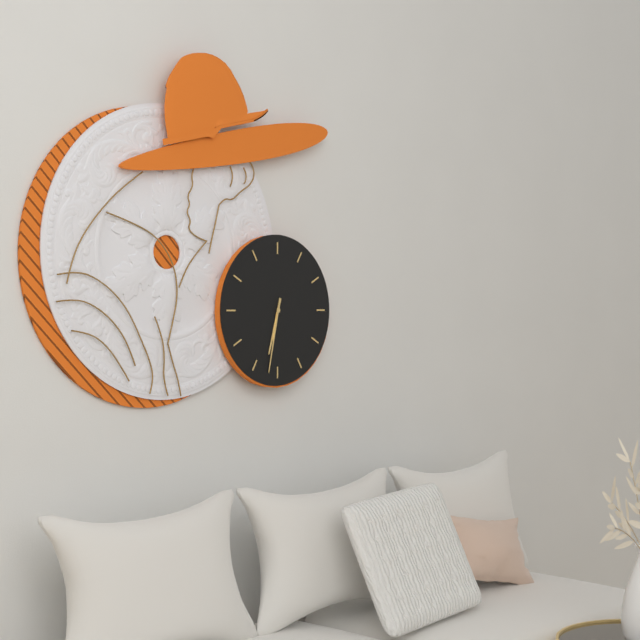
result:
6,32
